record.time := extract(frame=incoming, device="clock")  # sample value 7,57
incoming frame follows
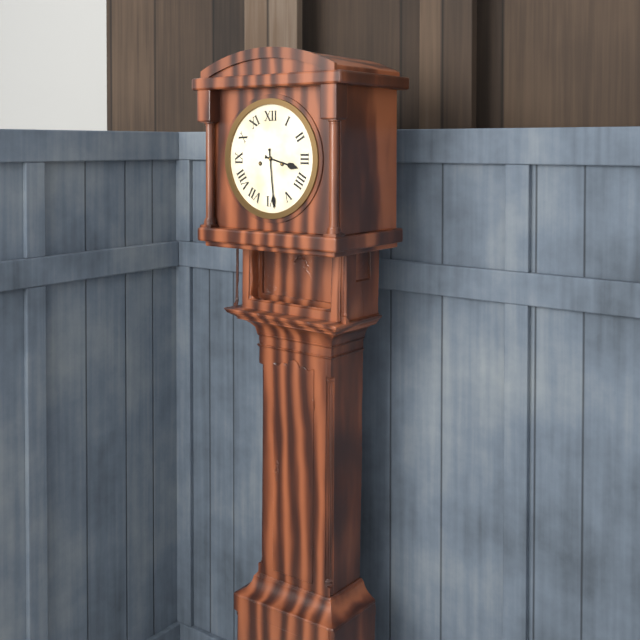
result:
3,29
